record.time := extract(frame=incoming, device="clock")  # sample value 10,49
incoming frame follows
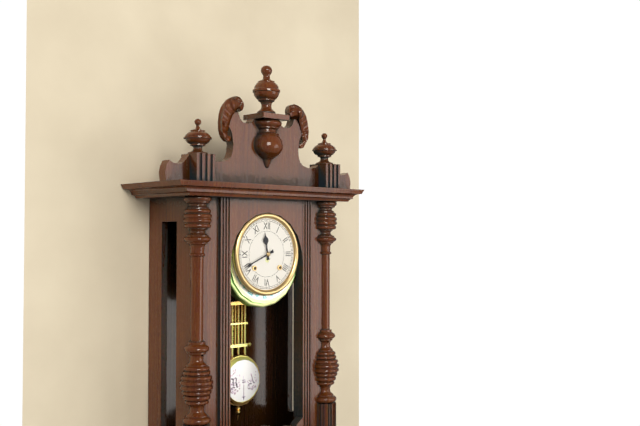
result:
11,41
